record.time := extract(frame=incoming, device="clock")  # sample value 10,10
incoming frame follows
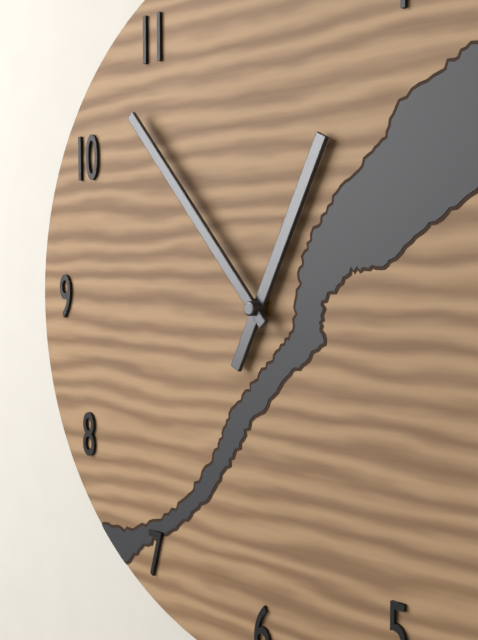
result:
12,53
